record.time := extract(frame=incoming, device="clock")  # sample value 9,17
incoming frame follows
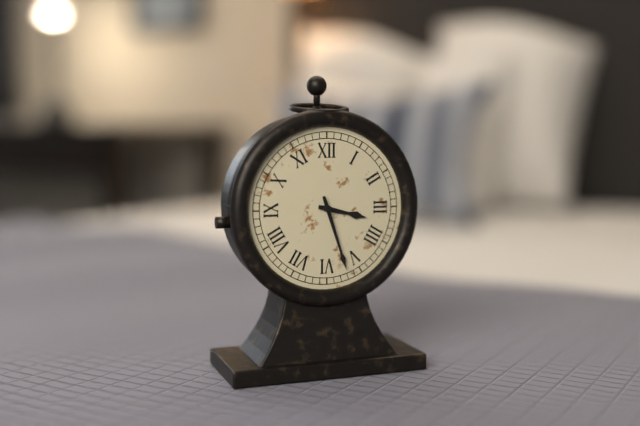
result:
3,27
